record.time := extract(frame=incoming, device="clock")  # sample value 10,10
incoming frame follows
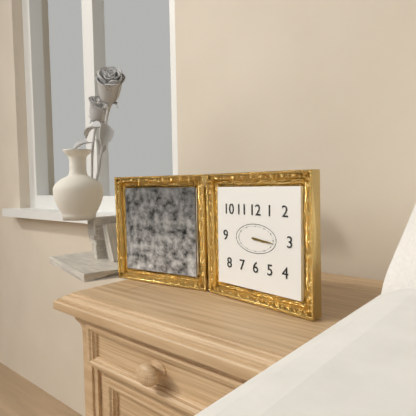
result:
3,16
